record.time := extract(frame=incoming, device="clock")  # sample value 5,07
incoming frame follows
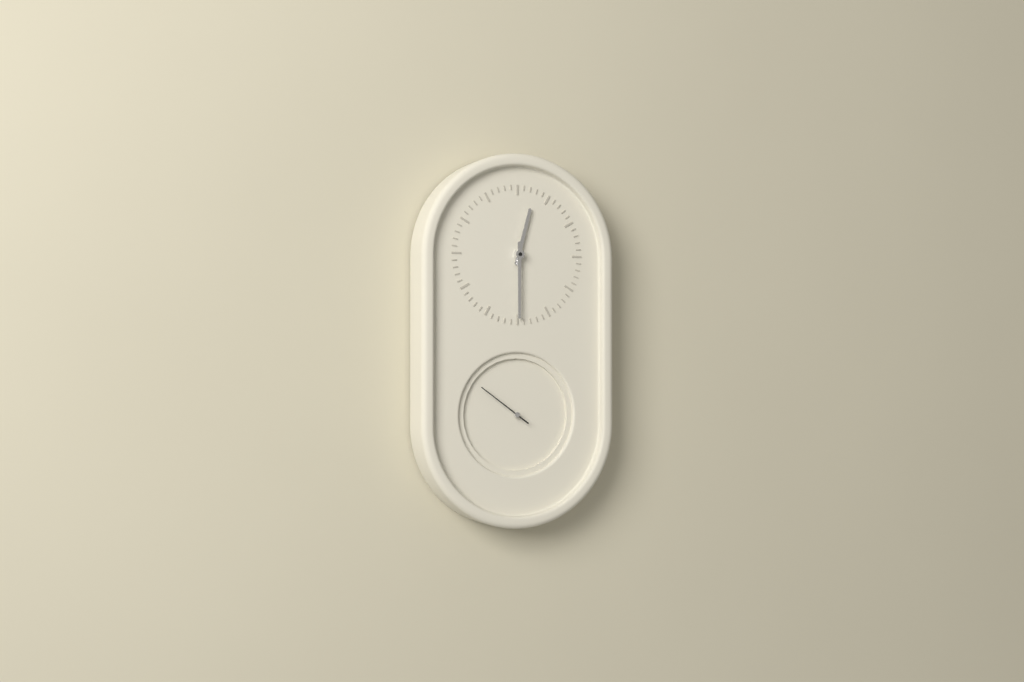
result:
12,30
